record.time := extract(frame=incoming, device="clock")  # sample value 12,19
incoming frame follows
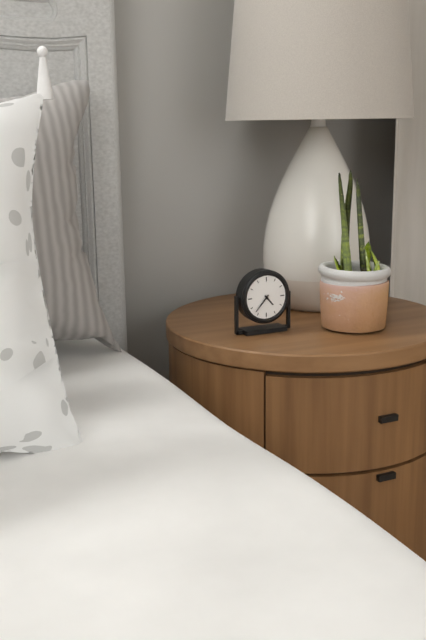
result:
4,37
